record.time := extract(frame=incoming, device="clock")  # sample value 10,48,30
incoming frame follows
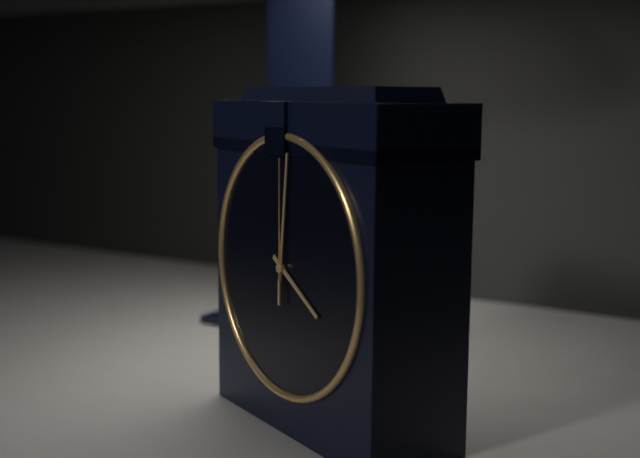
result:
4,01,00
